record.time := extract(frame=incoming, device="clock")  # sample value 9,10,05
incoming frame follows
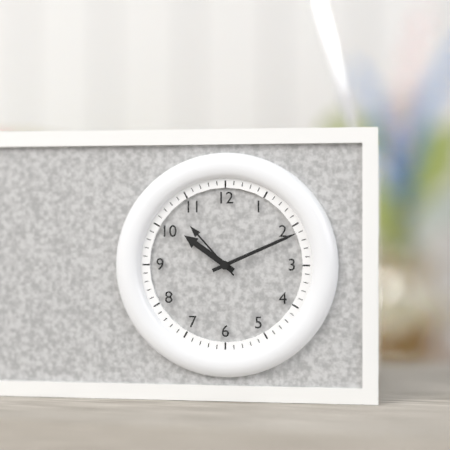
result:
10,11,53
